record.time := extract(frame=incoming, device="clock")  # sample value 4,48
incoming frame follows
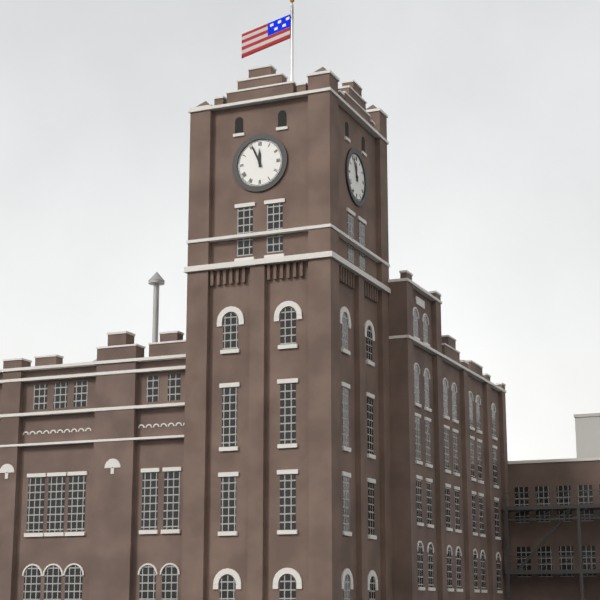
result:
11,56
